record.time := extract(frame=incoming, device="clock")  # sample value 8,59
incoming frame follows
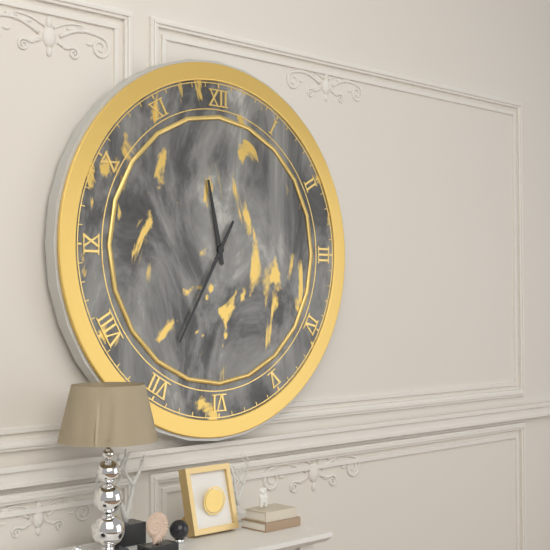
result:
11,35
